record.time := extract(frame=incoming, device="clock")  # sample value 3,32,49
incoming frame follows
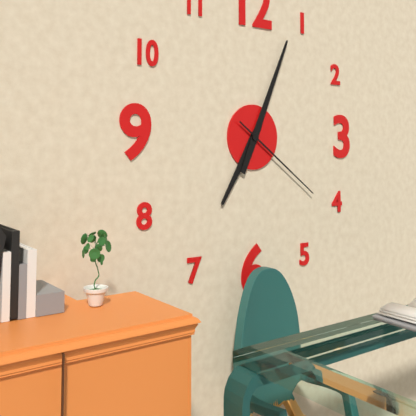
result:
7,04,21
